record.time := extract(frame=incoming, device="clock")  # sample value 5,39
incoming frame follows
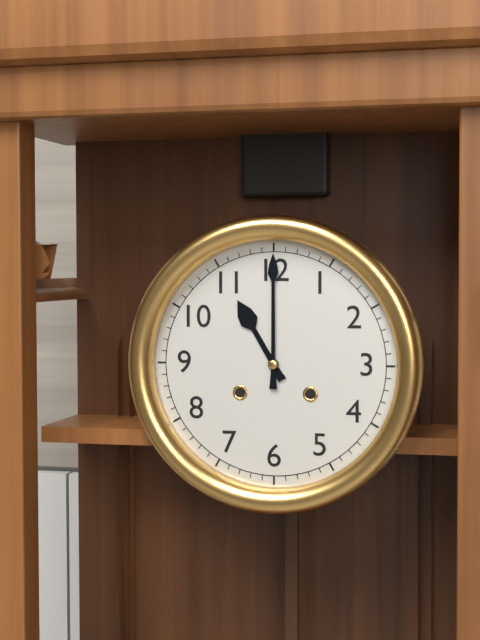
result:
11,00
